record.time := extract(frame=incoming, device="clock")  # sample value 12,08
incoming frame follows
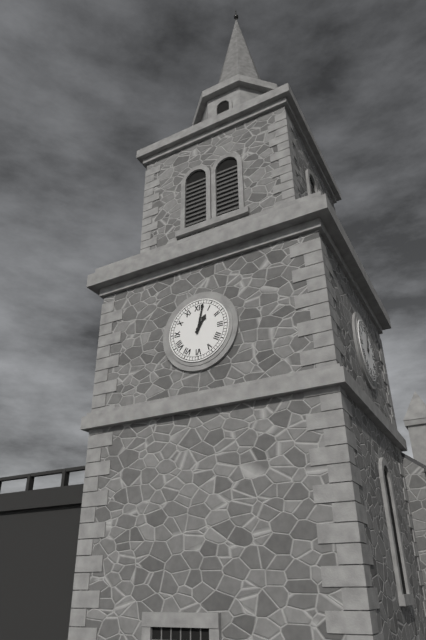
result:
1,02
